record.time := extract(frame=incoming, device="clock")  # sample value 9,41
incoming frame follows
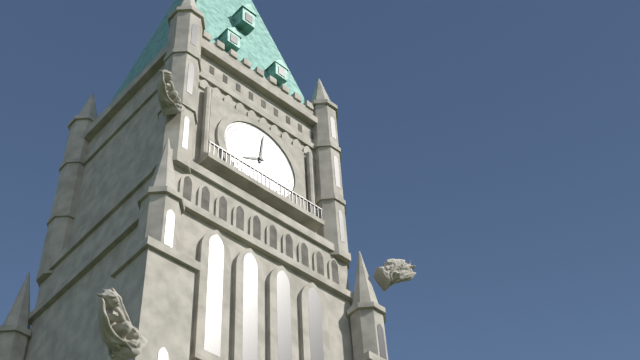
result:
8,01
